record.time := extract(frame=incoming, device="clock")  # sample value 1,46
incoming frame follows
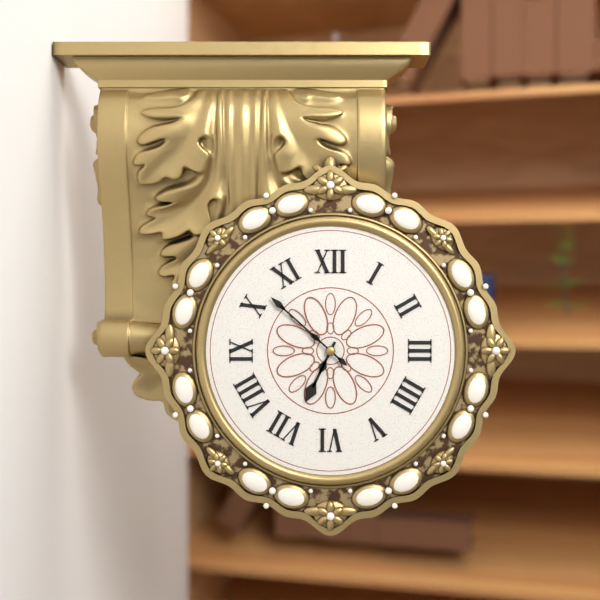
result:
6,52
